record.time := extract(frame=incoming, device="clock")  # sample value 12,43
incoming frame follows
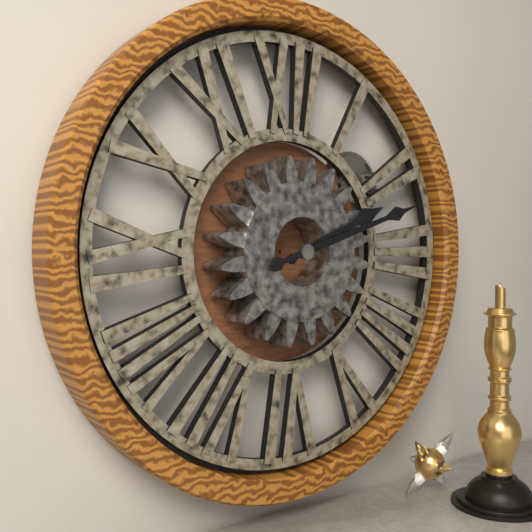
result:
2,12
